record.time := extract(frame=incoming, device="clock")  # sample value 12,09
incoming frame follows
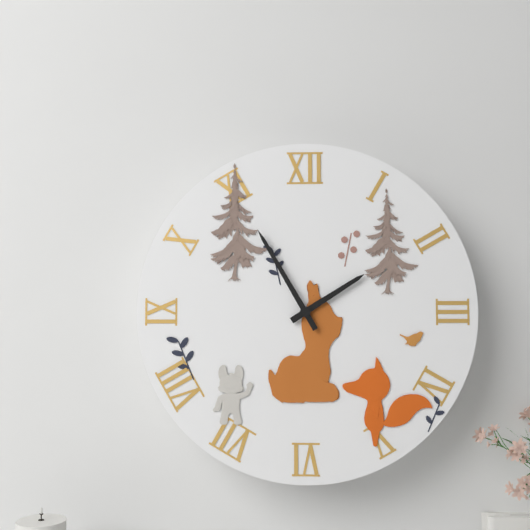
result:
1,55
